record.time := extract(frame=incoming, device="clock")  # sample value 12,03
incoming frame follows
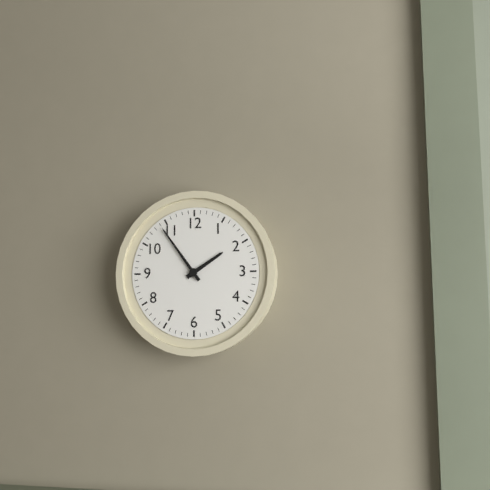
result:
1,54
